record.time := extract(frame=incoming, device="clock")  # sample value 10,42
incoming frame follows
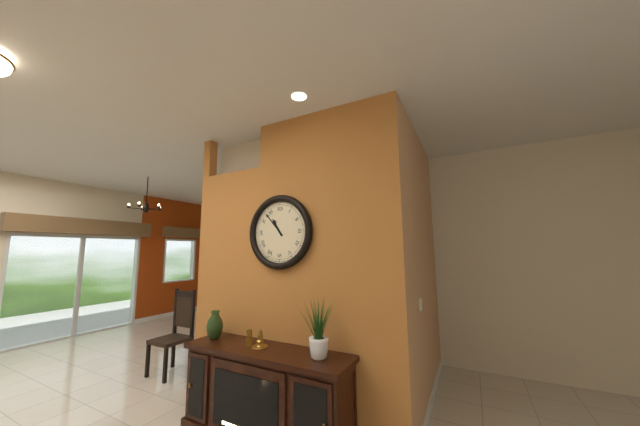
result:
10,53
